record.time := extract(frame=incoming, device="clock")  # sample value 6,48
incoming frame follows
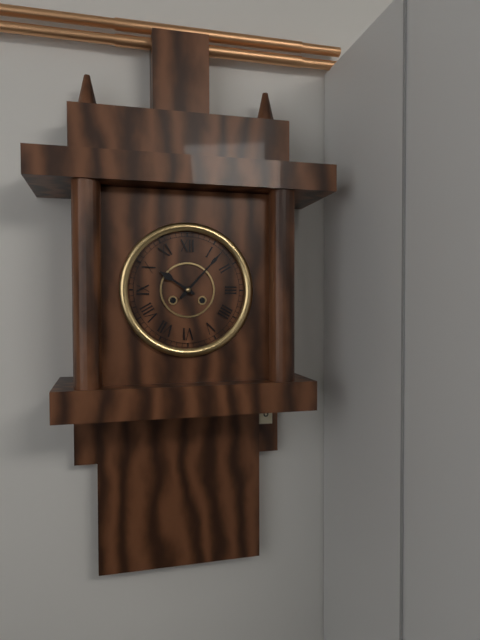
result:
10,07
